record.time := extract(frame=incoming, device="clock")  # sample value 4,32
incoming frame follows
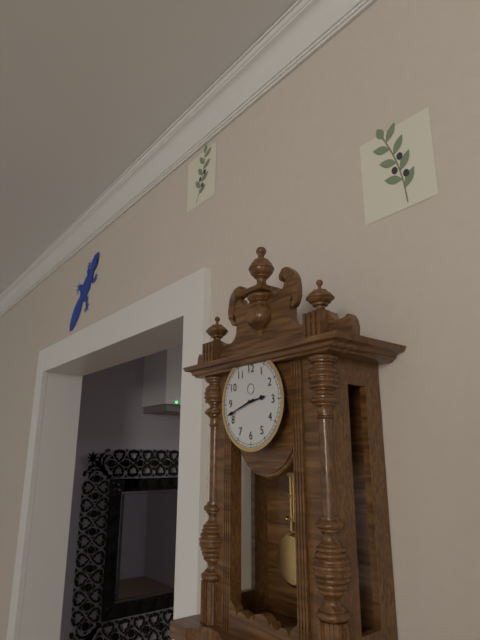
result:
2,42
